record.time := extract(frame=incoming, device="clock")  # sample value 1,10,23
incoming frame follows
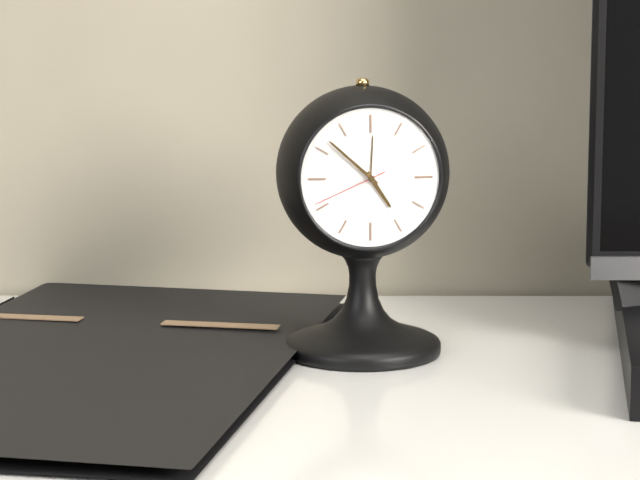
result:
4,52,41
